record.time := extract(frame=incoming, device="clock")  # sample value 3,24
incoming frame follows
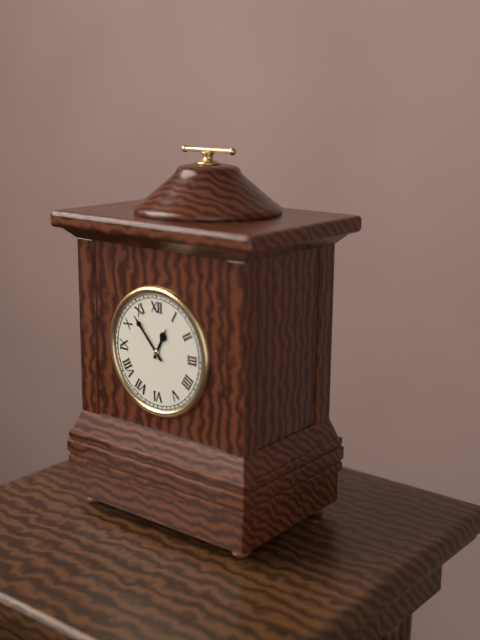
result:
12,53
